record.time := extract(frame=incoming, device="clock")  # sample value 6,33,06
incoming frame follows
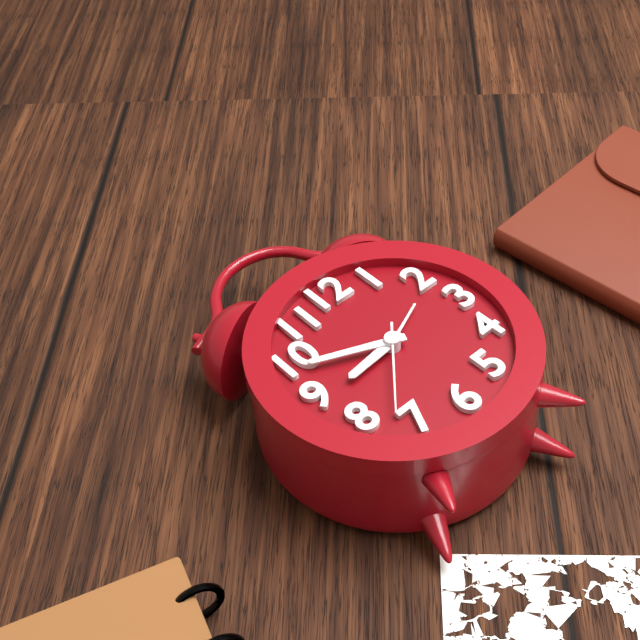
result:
8,49,37
